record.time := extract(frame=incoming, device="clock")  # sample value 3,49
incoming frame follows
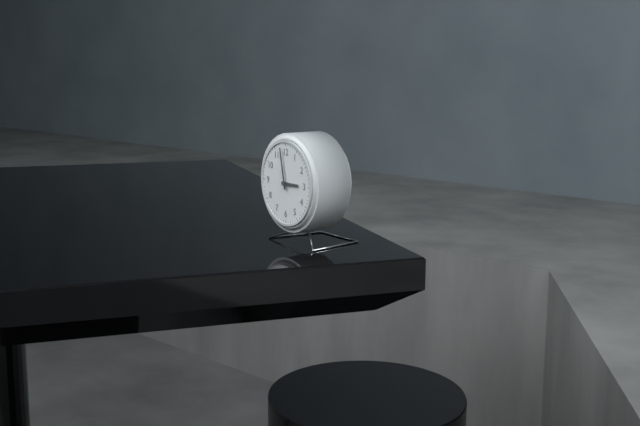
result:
2,58
